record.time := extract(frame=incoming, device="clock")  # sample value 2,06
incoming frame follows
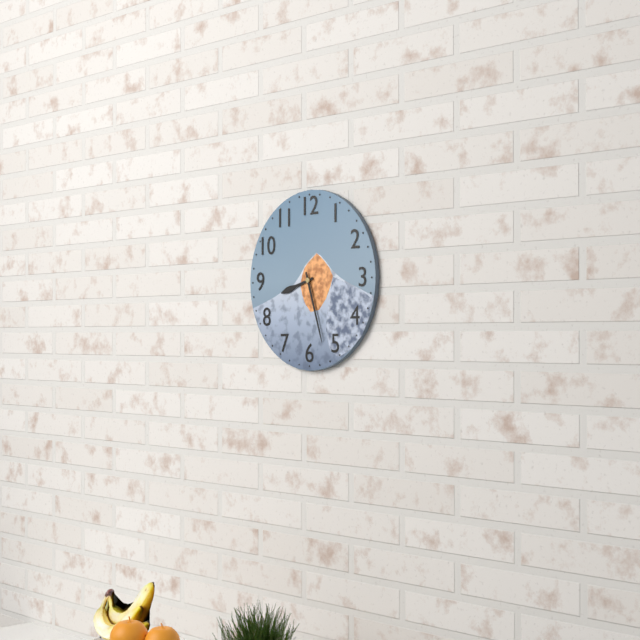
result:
8,27
